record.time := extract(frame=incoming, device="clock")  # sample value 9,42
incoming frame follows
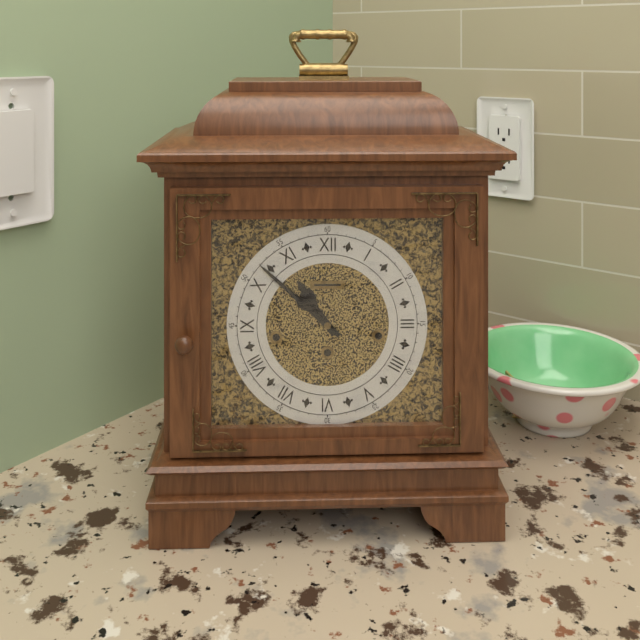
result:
10,52
